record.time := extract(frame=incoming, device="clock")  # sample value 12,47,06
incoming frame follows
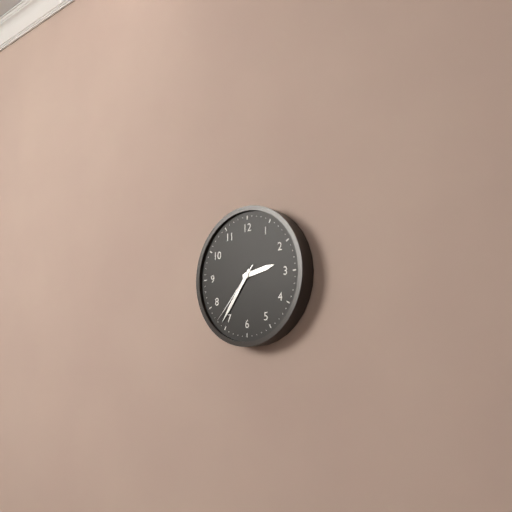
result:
2,36,37
